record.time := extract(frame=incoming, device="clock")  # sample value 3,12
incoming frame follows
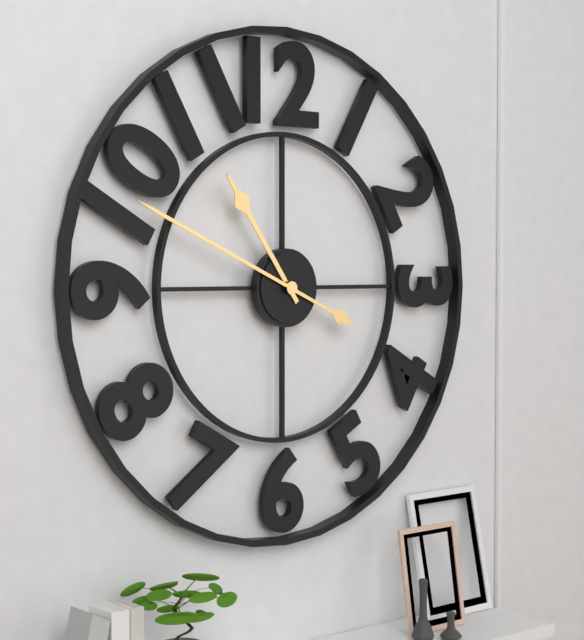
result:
10,49
